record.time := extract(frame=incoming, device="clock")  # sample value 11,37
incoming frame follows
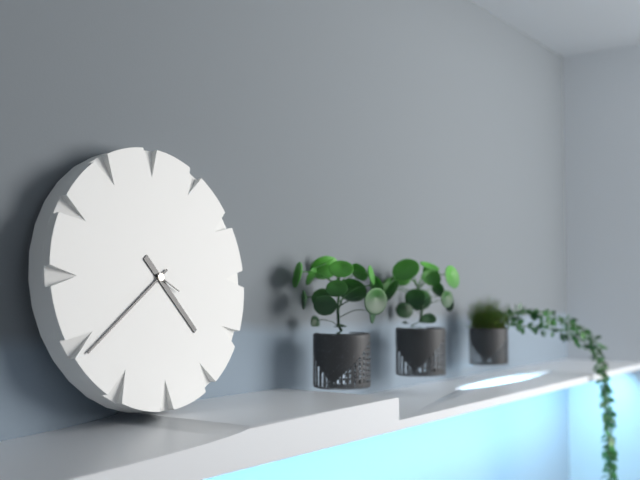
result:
4,39
